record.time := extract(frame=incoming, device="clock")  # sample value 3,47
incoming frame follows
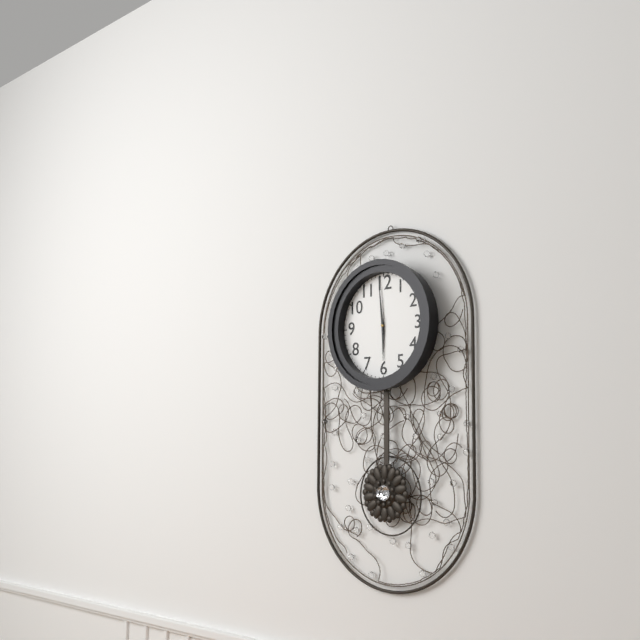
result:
5,59
